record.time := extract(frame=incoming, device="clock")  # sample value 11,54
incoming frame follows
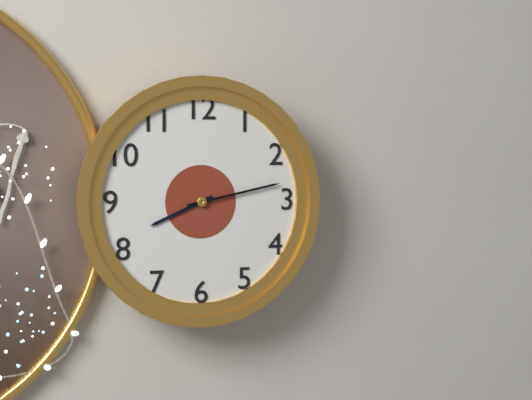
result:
8,13
